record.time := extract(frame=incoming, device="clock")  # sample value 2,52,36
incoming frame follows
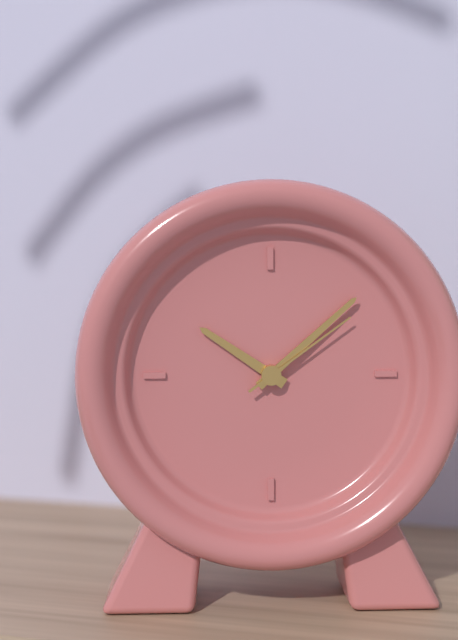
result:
10,08,09
